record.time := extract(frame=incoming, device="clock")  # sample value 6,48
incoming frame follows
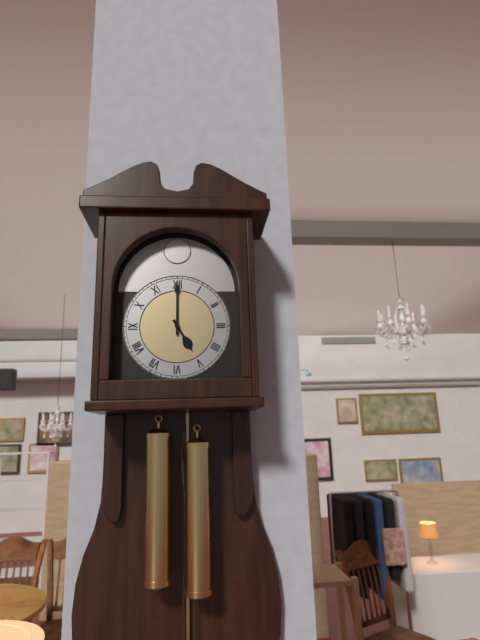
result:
5,00
